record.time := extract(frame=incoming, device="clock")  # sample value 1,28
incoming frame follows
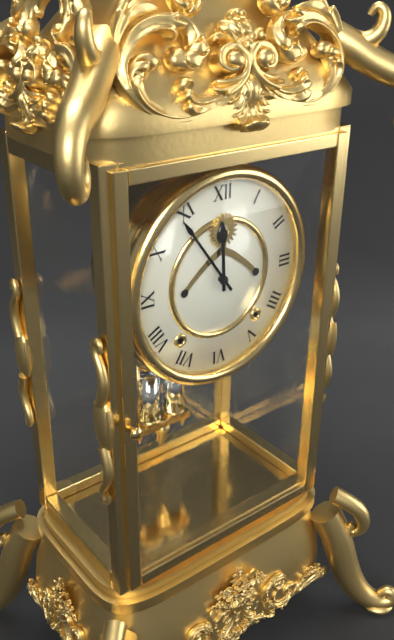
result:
11,54
